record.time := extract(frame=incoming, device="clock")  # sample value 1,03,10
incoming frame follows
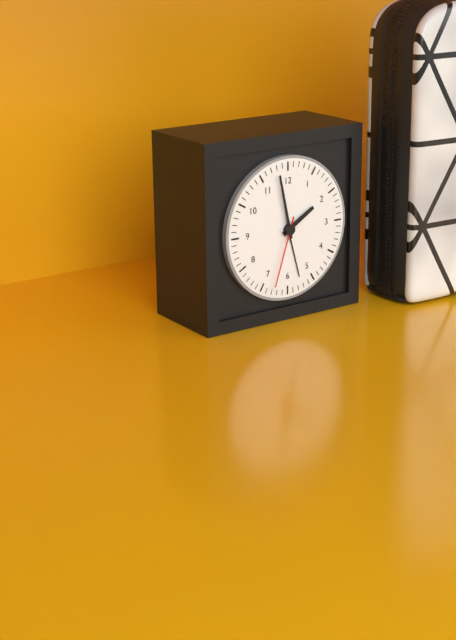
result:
1,58,33
